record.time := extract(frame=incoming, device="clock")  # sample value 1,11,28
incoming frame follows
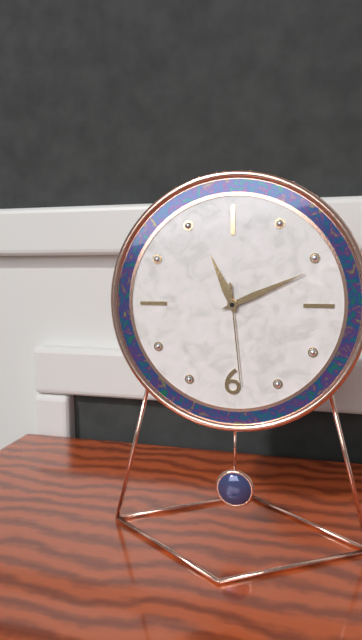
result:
11,11,29
